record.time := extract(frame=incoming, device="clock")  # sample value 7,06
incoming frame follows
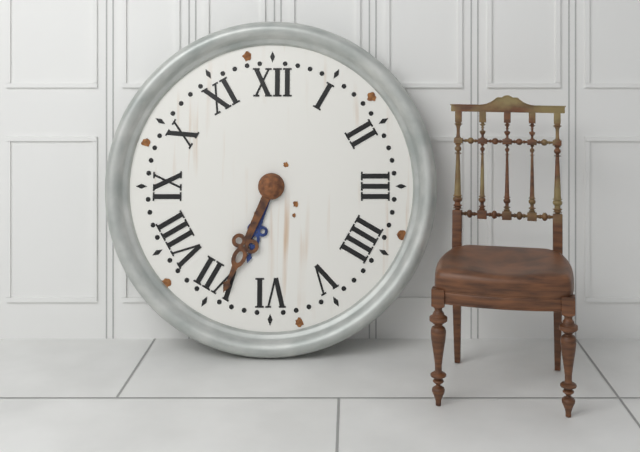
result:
6,34
